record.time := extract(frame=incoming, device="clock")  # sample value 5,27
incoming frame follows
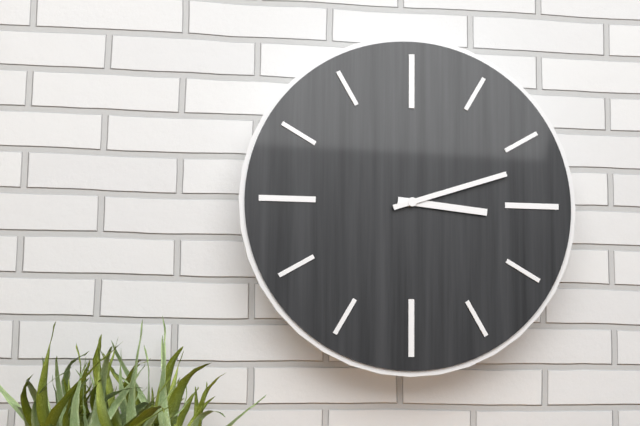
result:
3,12
